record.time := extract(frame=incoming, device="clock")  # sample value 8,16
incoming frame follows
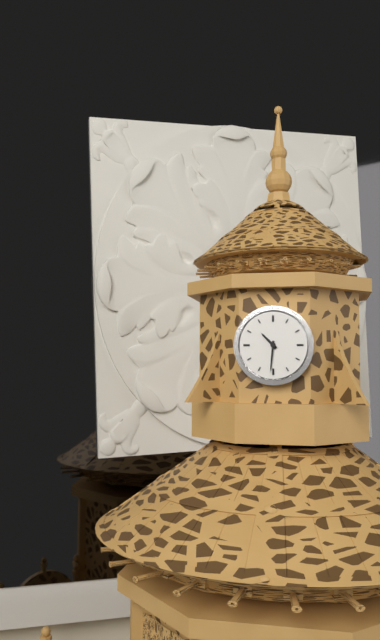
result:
10,31
